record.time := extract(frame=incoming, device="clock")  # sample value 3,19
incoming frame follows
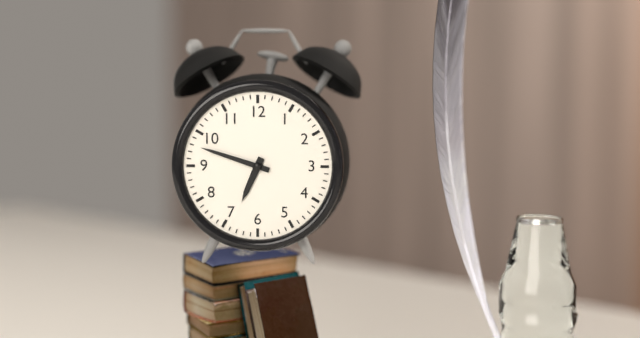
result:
6,48
